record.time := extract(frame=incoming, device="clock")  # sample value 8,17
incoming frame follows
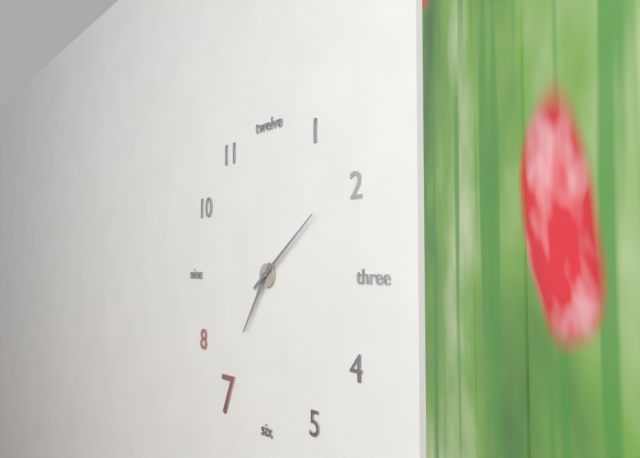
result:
7,09
